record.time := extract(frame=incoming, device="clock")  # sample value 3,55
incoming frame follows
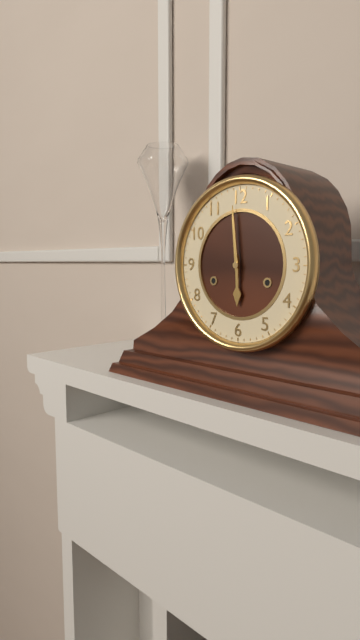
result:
5,59
